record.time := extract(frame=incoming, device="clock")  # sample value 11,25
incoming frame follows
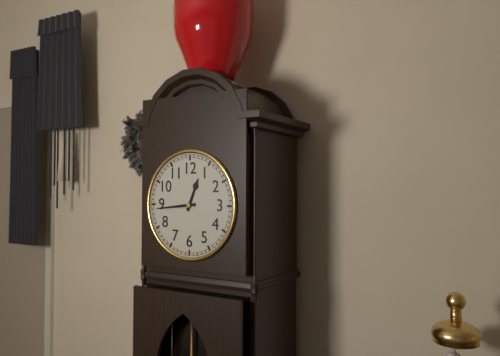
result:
12,44
